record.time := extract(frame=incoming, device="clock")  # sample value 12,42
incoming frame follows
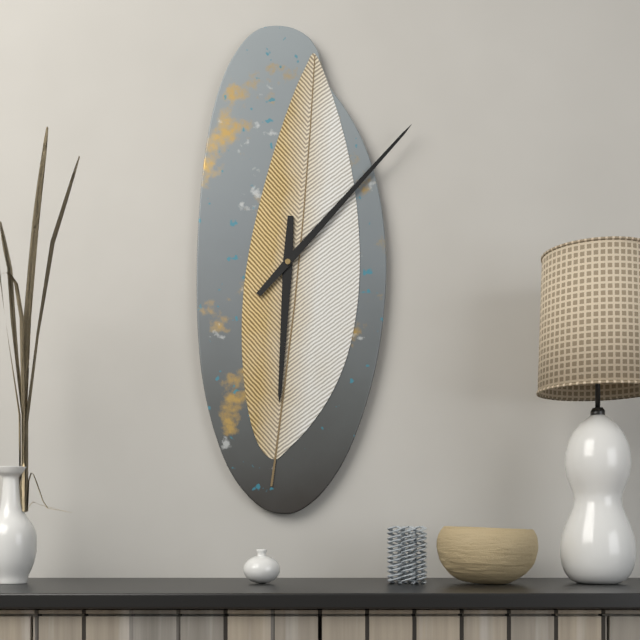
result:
6,07
